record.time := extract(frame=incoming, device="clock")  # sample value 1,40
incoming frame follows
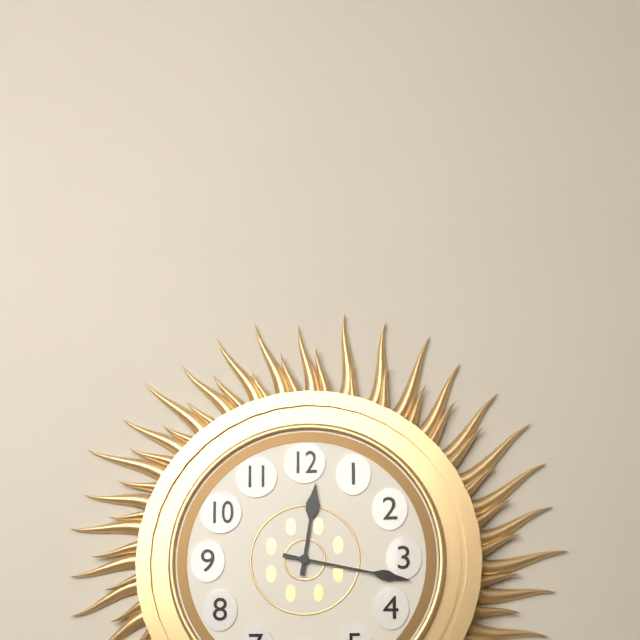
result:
12,17
